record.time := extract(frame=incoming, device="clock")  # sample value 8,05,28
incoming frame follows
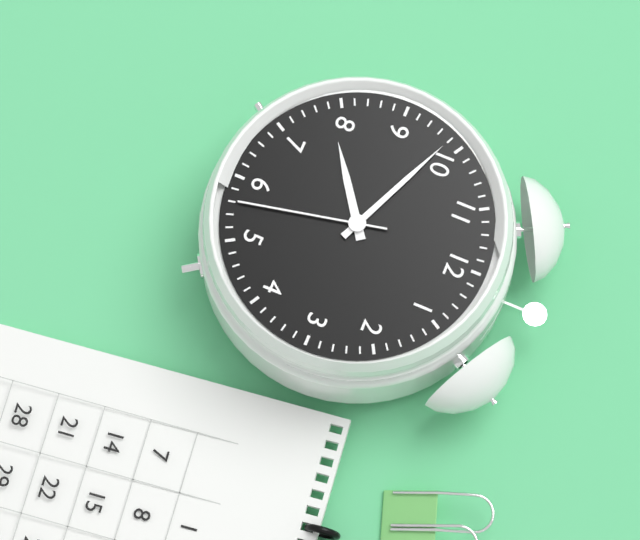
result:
7,49,28
